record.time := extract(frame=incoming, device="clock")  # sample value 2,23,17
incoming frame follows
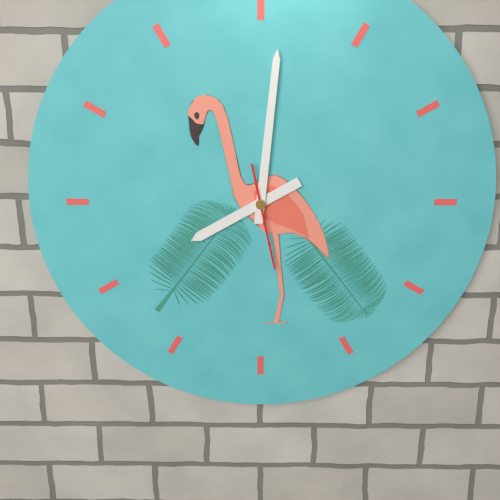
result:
8,01,28
